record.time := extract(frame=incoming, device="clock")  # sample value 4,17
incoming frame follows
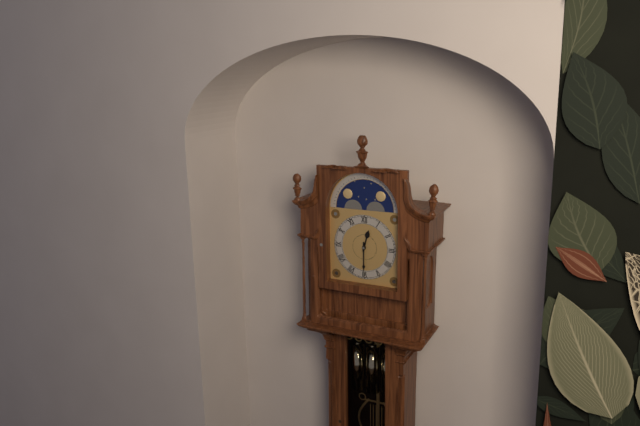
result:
12,30
